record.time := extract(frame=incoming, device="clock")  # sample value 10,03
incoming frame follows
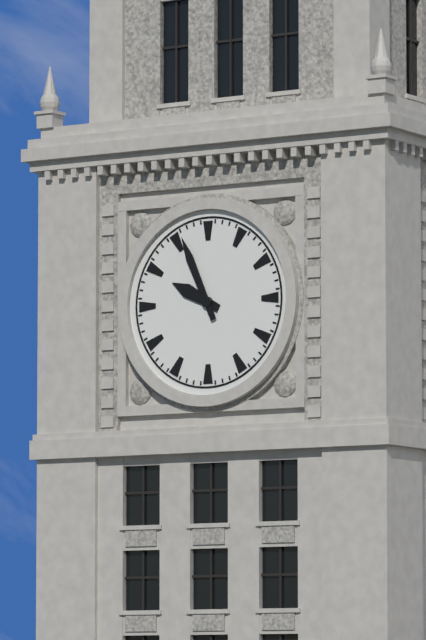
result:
9,56
